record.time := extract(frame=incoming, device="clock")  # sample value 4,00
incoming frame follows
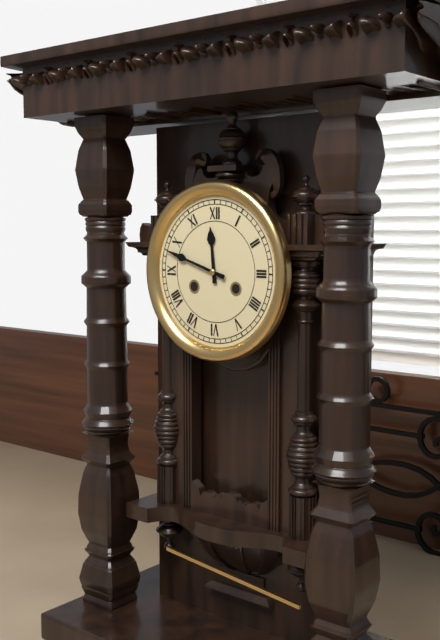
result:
11,48
